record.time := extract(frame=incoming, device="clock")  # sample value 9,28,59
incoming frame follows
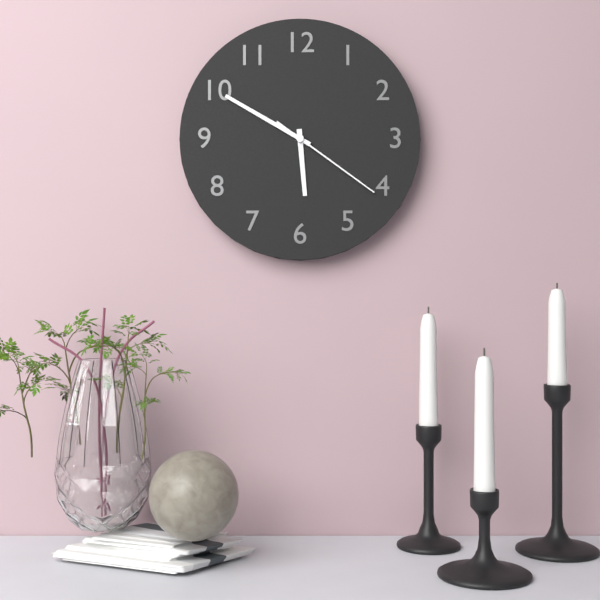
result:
5,50,21
